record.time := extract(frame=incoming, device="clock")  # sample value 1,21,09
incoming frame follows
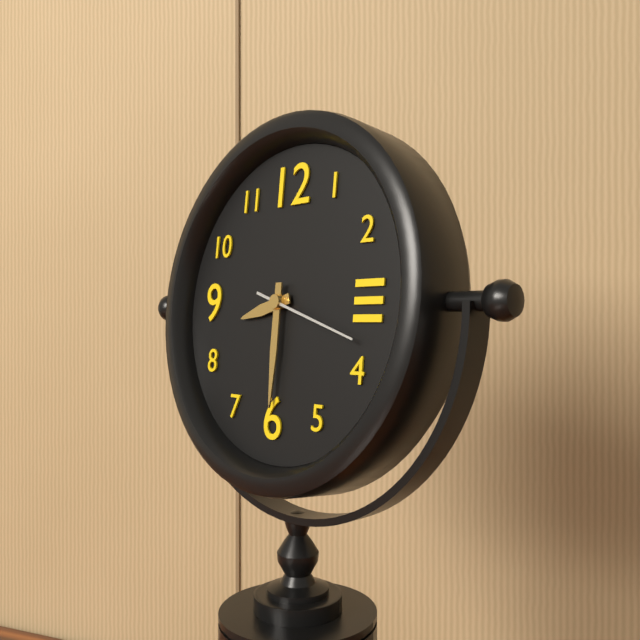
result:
8,30,18
